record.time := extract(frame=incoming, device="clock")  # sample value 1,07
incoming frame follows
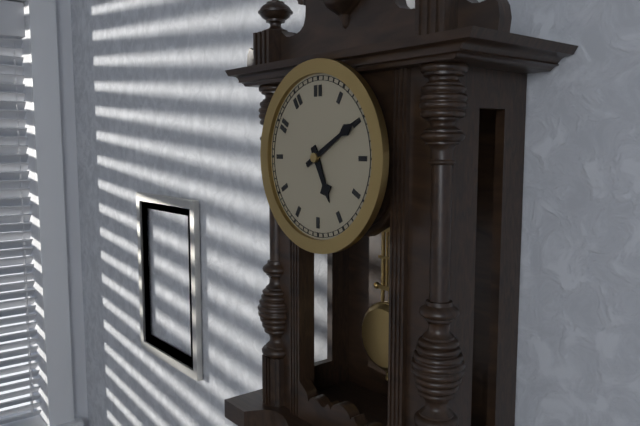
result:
5,10
